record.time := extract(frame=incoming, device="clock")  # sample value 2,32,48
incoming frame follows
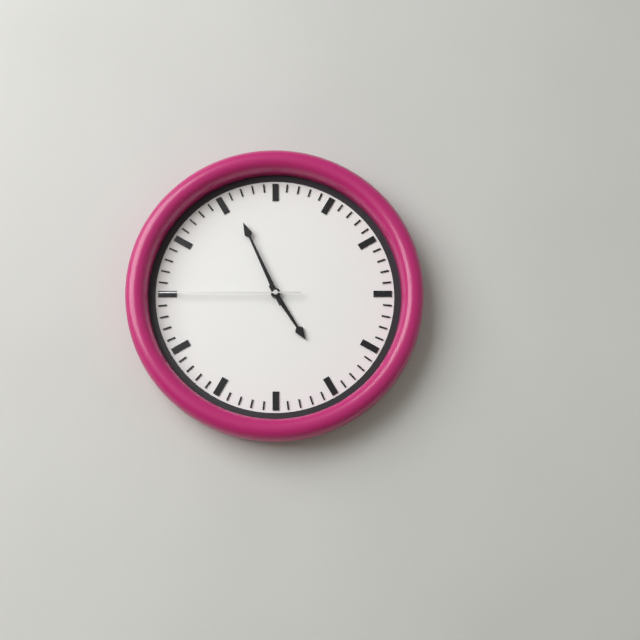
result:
4,56,45
